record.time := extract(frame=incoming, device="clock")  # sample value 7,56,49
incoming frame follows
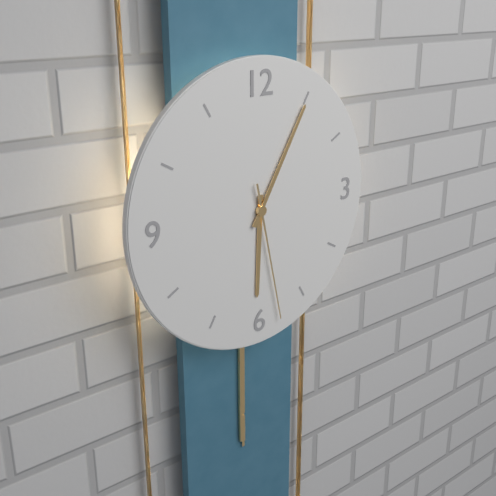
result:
6,05,28
